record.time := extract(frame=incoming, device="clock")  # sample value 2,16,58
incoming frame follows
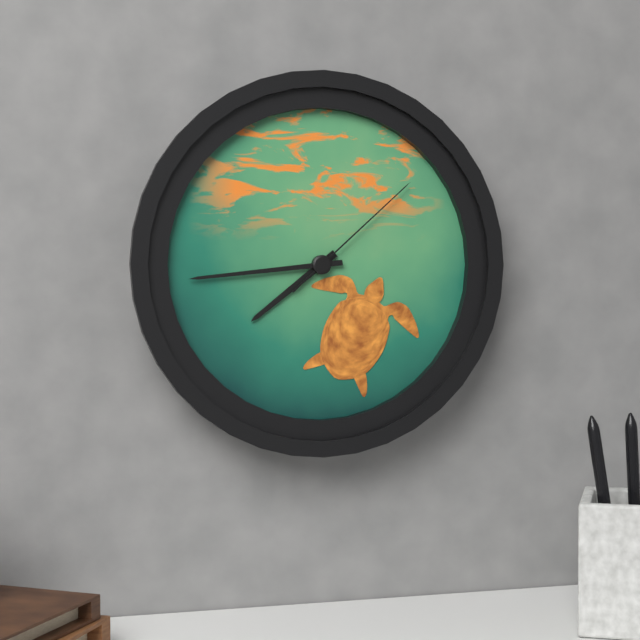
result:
7,44,08
